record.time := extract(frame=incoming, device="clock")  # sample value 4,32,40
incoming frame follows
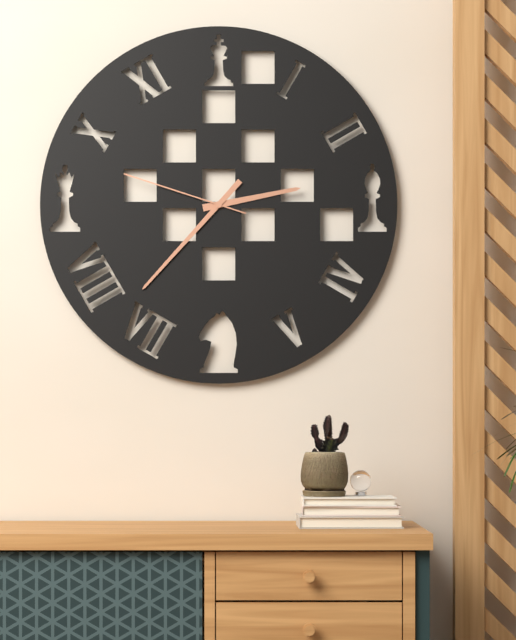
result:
2,37,48
